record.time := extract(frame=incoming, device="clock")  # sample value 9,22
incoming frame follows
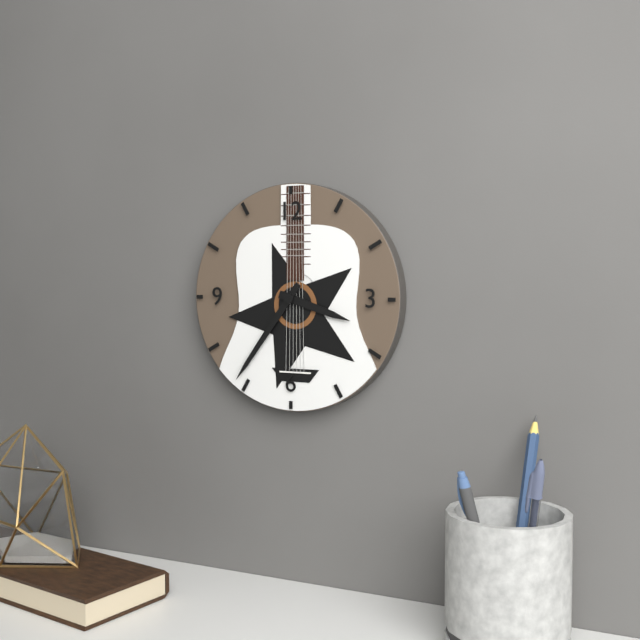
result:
3,36
